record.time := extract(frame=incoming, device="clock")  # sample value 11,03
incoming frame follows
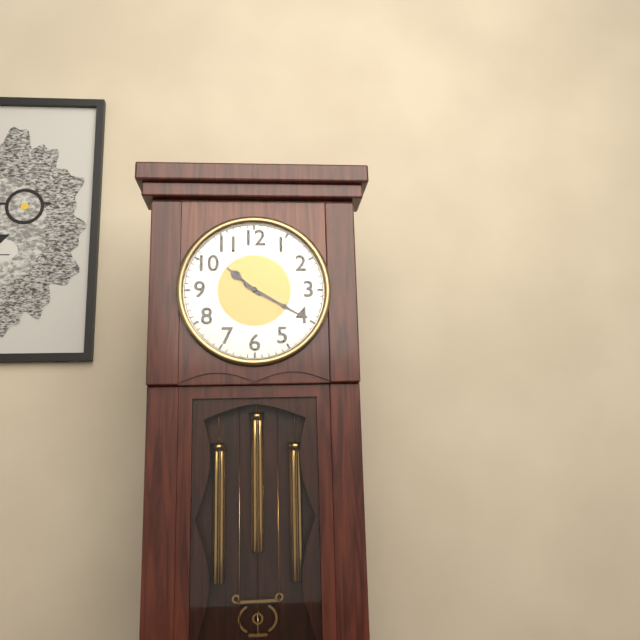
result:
10,20
